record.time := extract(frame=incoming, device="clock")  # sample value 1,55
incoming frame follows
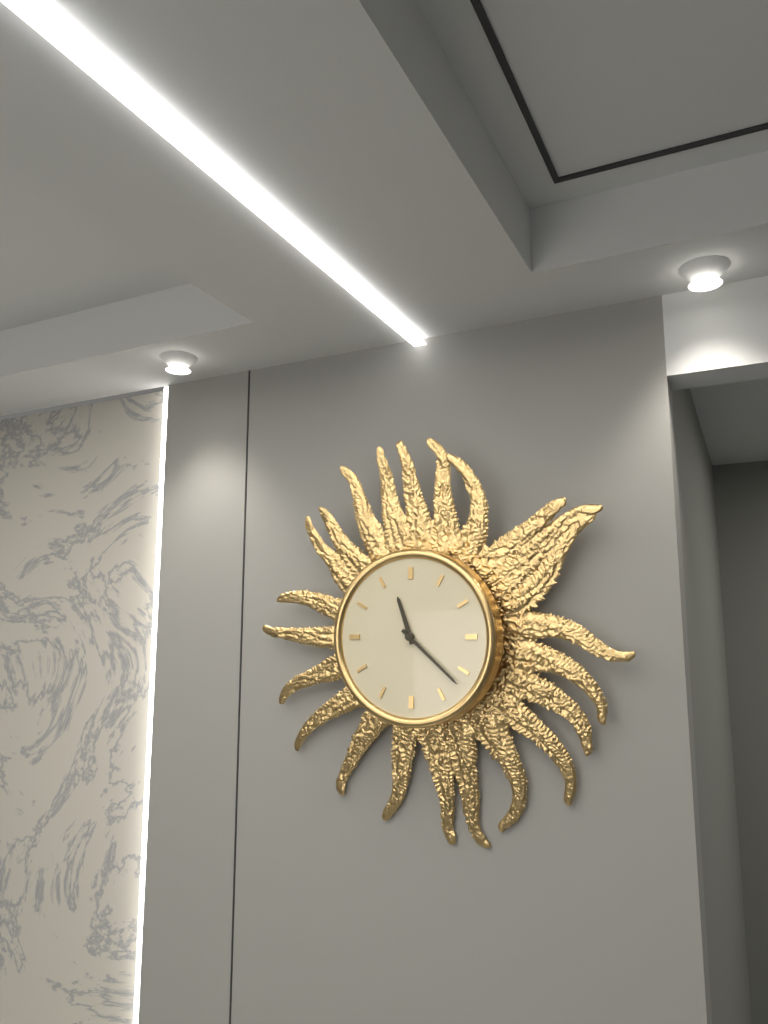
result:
11,22
